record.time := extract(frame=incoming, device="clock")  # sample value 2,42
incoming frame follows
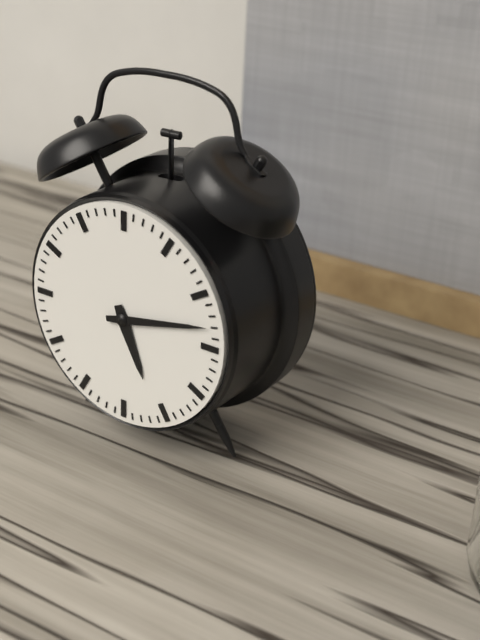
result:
5,13
